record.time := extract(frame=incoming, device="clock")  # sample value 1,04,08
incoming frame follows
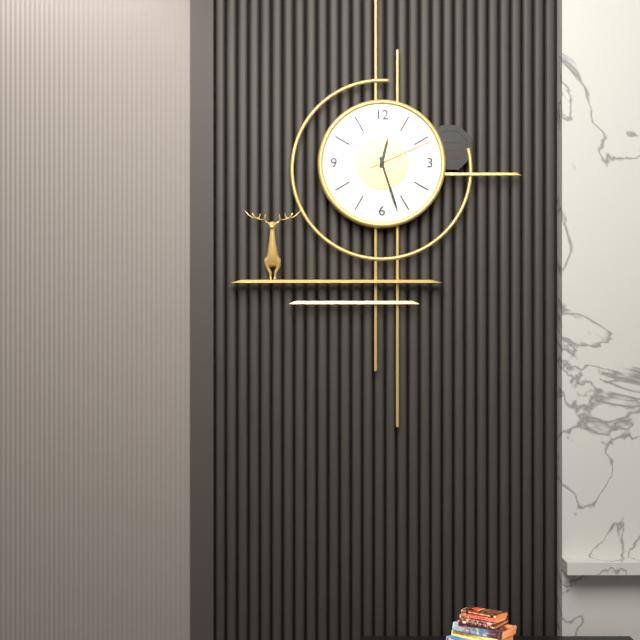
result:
12,27,11
